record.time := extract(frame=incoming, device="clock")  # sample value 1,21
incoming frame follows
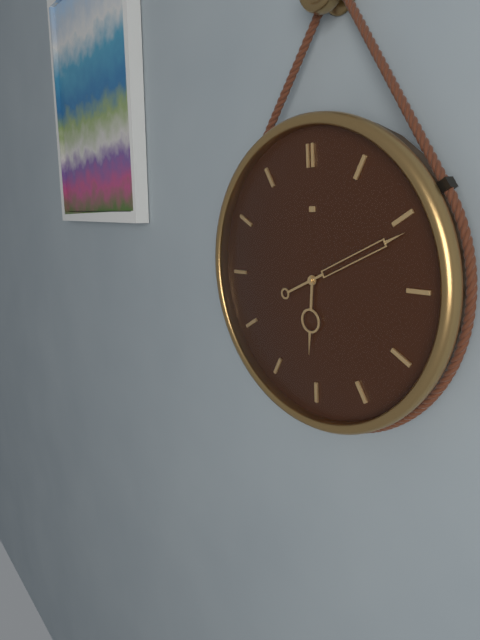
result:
6,11
